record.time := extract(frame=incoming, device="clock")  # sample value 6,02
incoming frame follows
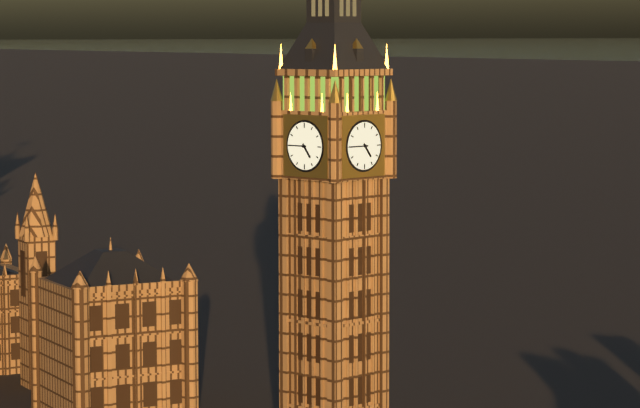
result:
4,45
